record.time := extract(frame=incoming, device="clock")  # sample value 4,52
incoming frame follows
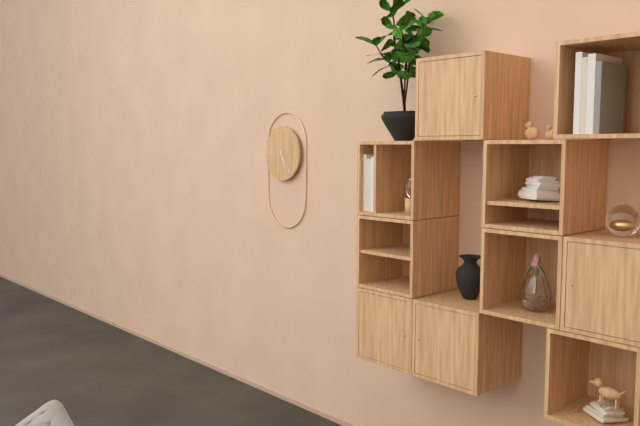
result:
5,24
